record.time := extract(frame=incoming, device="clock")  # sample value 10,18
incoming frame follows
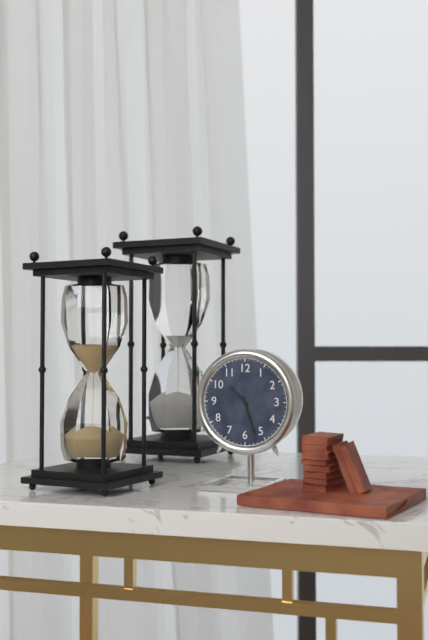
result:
10,27
